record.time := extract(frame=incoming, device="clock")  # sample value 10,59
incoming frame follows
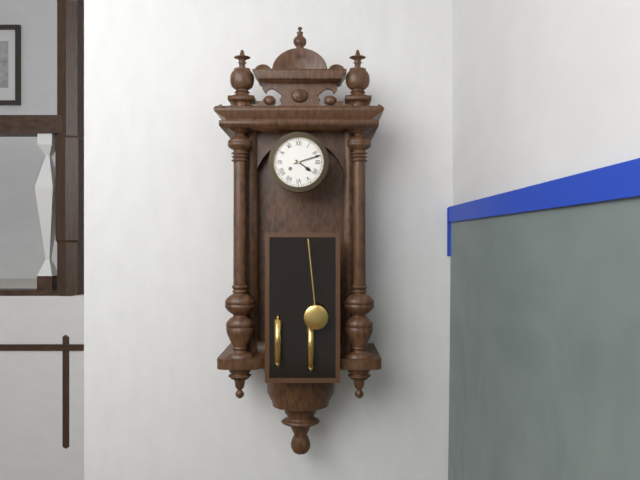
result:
4,12
